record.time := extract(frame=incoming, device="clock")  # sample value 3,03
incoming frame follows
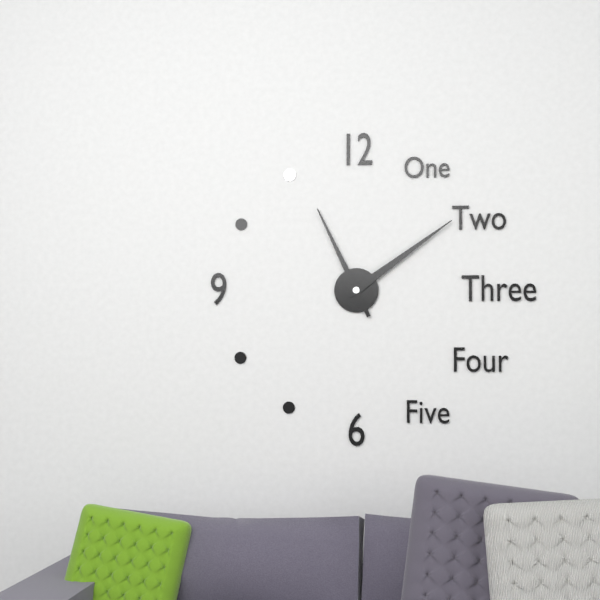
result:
11,09
